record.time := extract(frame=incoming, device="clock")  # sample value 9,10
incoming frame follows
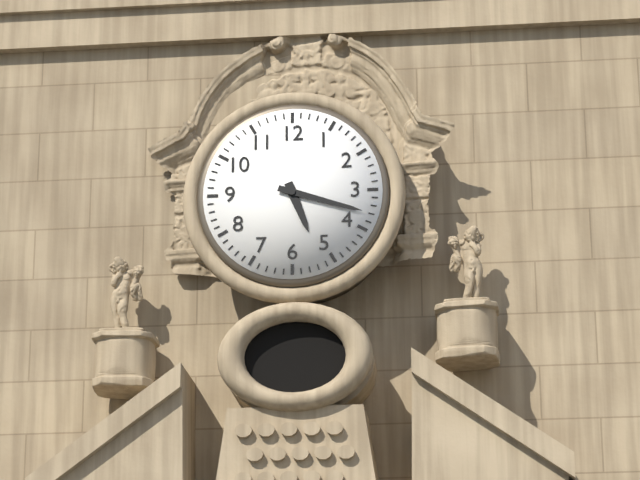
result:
5,18
